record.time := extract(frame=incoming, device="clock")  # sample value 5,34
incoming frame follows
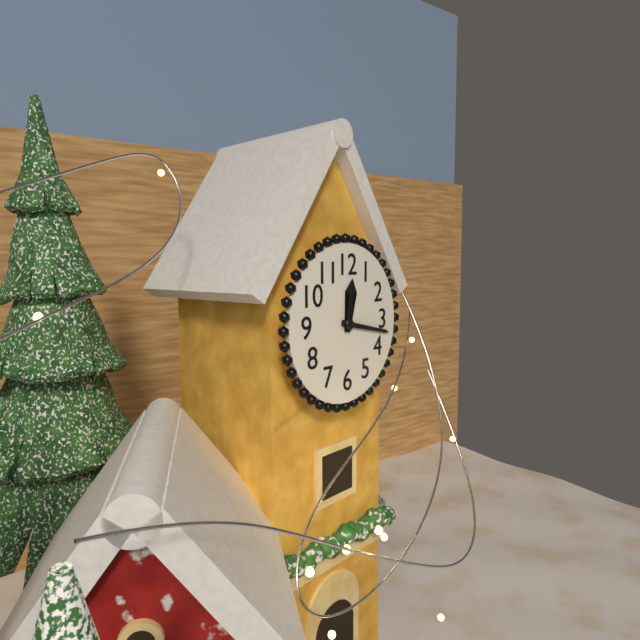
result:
12,17
